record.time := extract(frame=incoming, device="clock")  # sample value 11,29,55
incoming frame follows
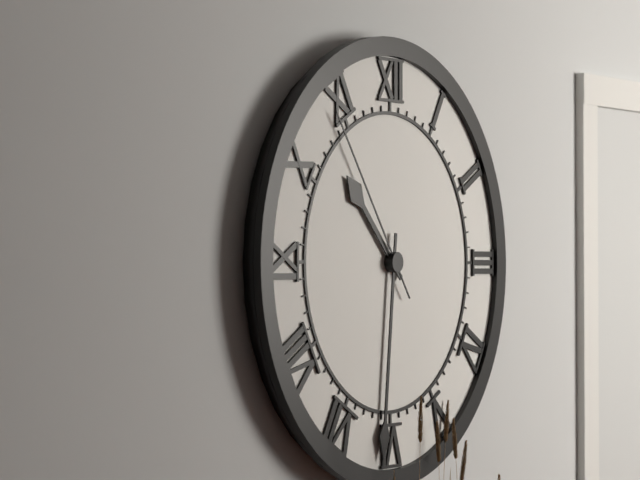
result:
10,31,54
